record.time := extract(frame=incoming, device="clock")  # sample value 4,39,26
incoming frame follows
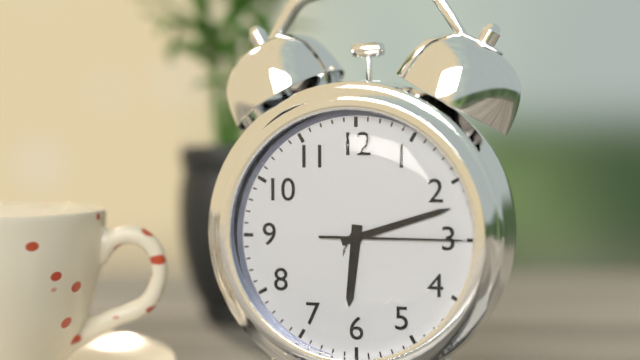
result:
6,12,15
